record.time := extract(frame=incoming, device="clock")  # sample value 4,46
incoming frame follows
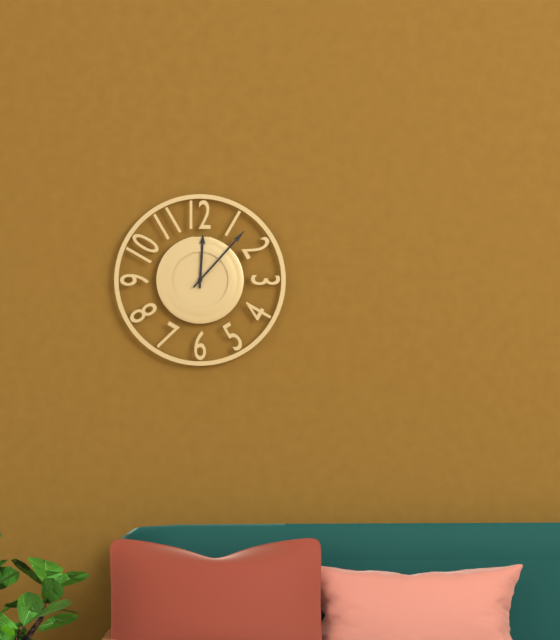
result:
12,07
